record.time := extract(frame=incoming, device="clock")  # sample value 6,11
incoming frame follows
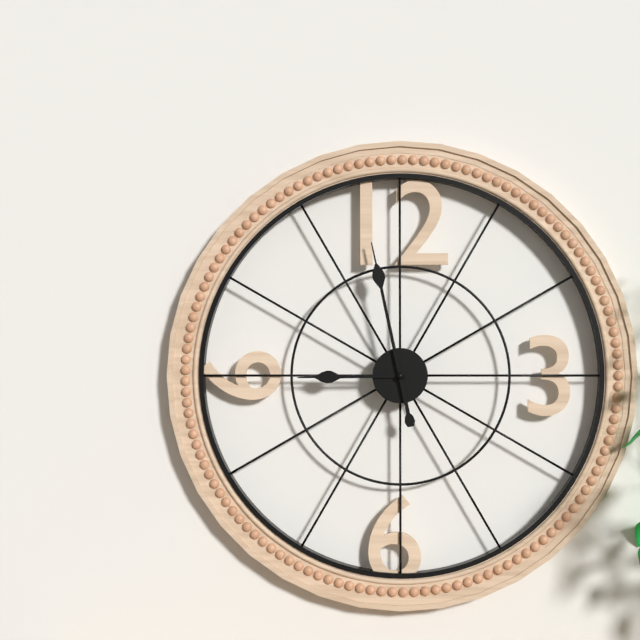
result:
8,58
